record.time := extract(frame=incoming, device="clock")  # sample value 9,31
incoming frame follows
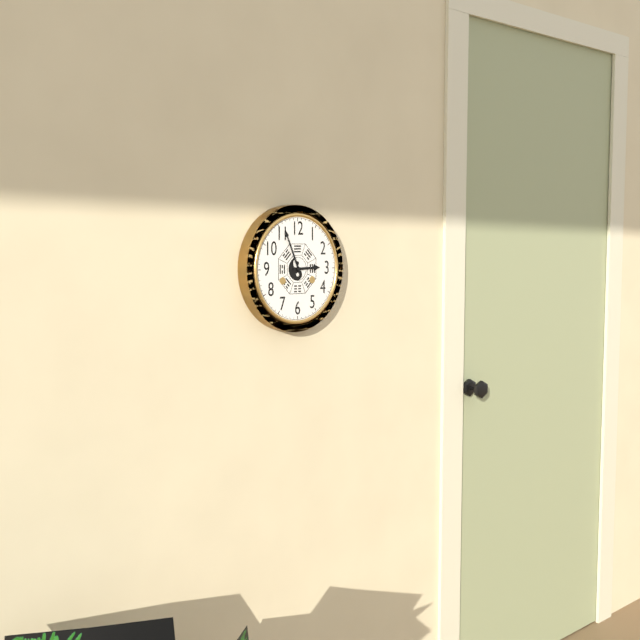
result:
2,56
